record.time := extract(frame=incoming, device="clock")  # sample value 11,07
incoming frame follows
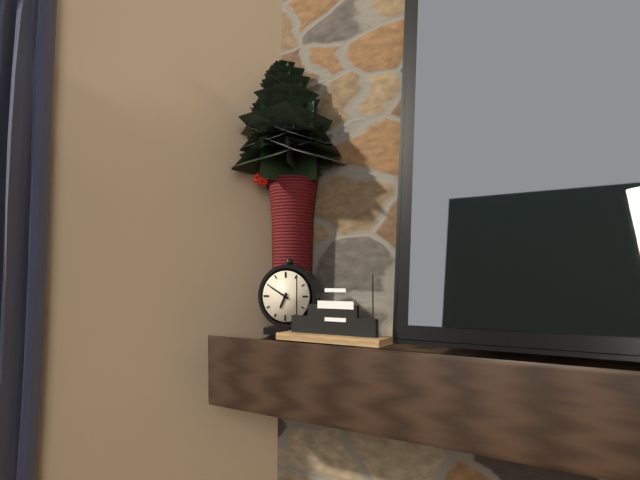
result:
6,50
